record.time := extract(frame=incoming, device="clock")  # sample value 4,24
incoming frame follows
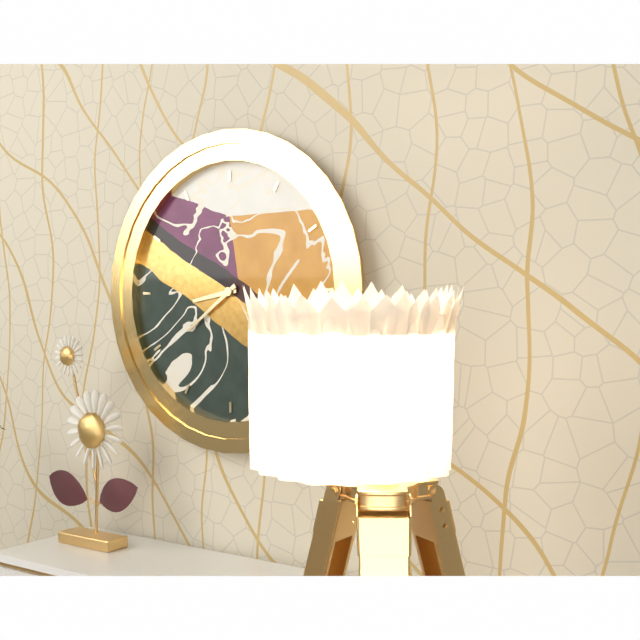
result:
8,39
